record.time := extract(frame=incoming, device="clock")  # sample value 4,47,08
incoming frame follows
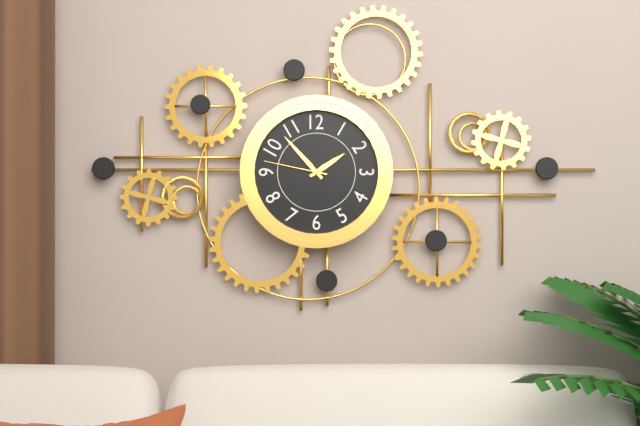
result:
1,53,47
